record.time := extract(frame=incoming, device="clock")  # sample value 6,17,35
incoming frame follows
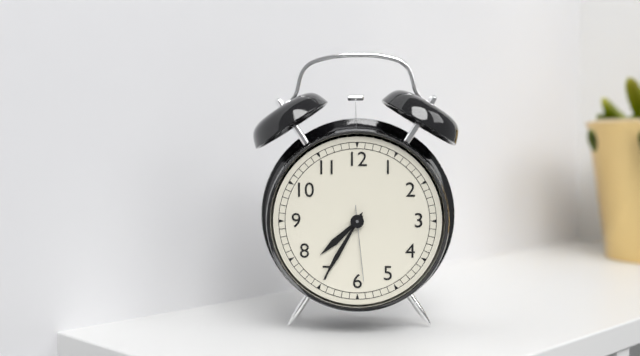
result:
7,35,29
